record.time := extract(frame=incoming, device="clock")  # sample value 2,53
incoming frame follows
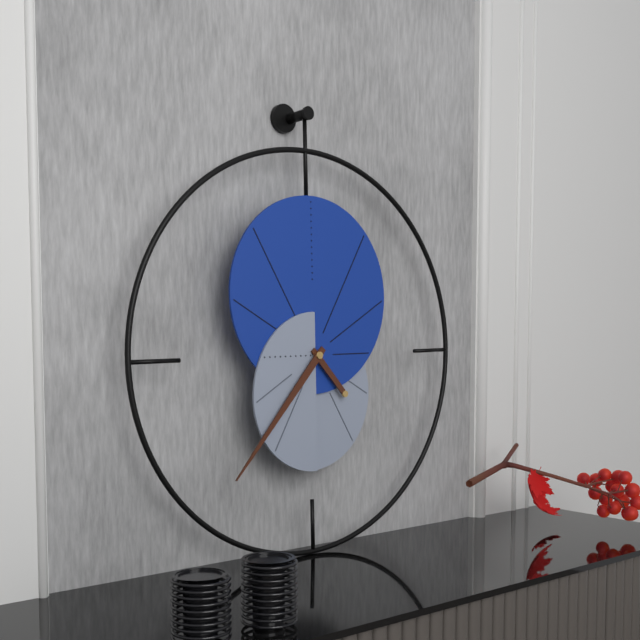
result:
4,37
